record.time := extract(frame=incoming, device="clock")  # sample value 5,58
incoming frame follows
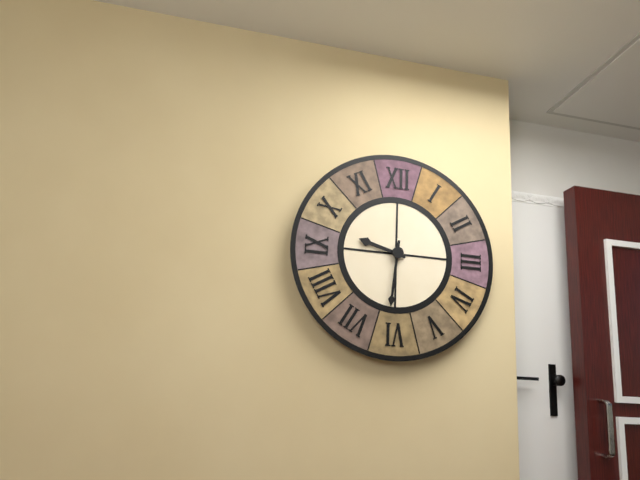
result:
9,31
